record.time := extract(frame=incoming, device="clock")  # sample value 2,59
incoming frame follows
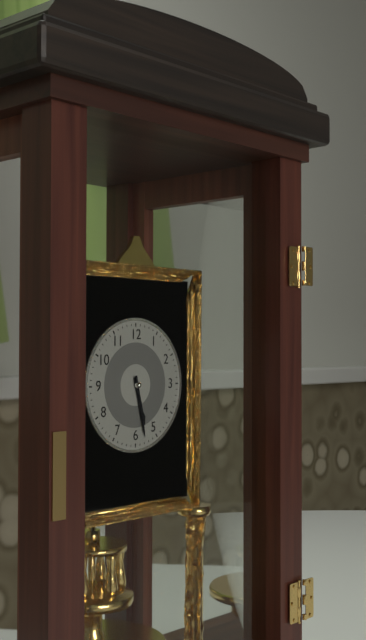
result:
5,28
